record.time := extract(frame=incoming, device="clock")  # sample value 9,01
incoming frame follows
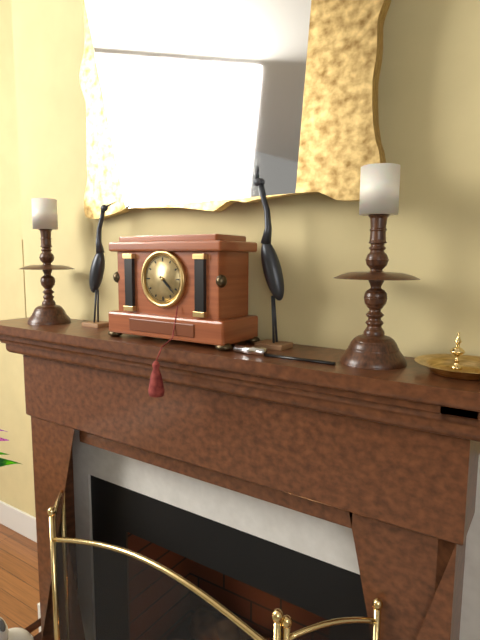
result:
4,22
